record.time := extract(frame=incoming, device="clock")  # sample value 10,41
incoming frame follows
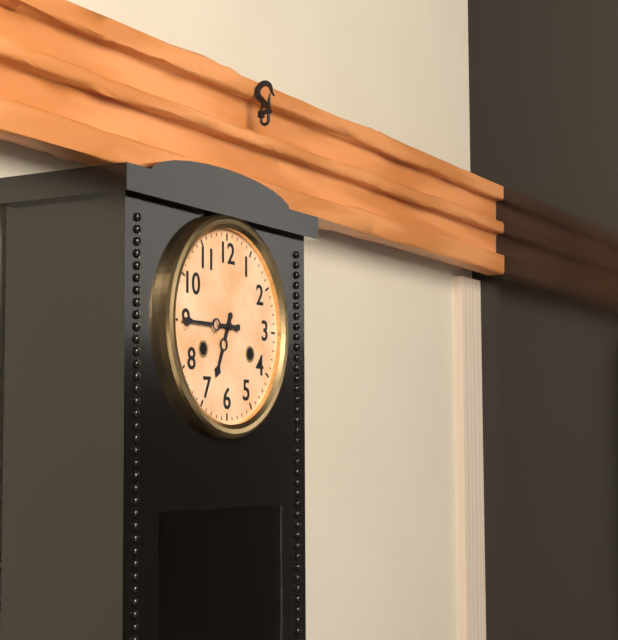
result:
6,45
